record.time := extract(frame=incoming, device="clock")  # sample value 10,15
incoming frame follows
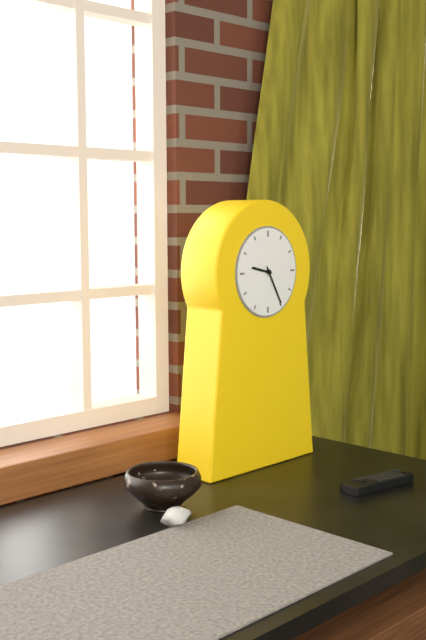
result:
9,25
